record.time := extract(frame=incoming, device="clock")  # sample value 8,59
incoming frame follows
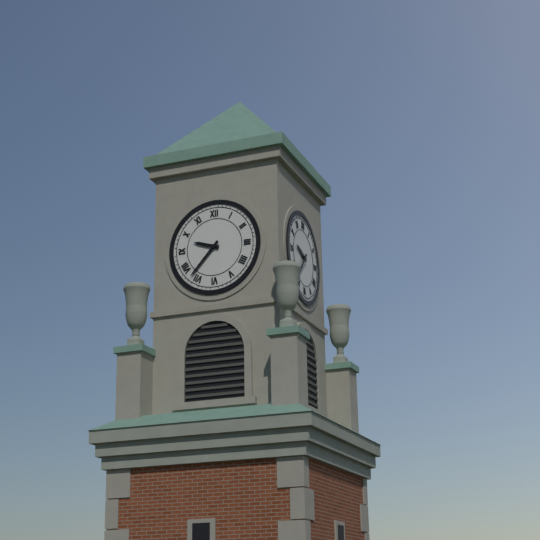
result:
9,37
